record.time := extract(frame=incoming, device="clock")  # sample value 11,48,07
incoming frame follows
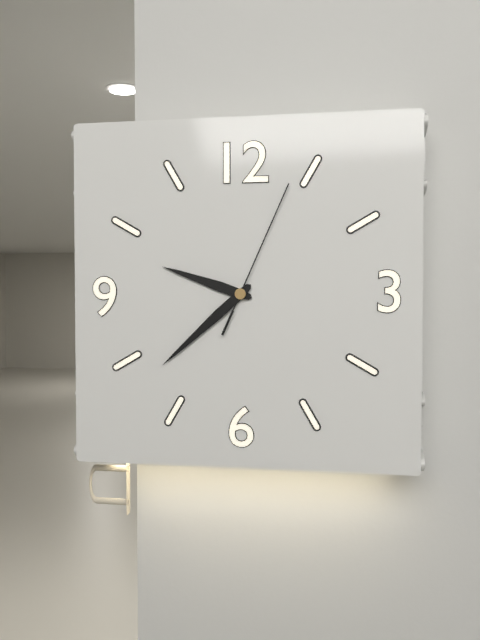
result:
9,38,04
